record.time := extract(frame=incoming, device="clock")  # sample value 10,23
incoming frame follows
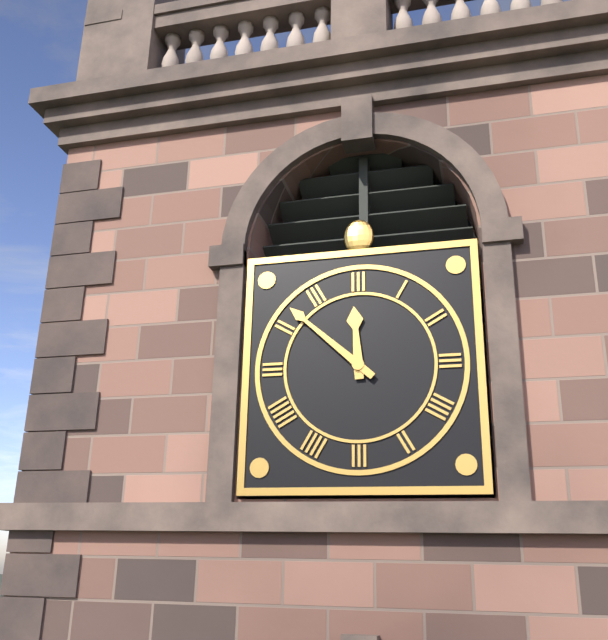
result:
11,52
